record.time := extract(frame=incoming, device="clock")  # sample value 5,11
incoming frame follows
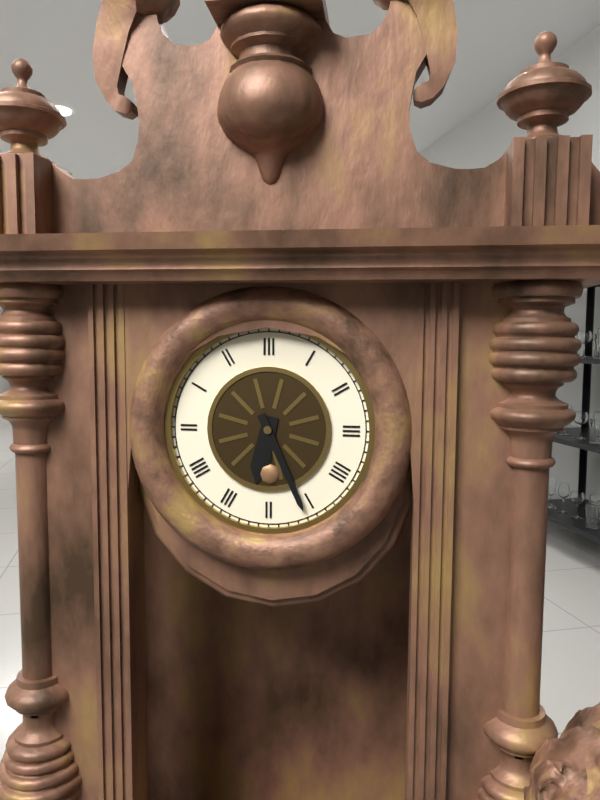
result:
6,26
